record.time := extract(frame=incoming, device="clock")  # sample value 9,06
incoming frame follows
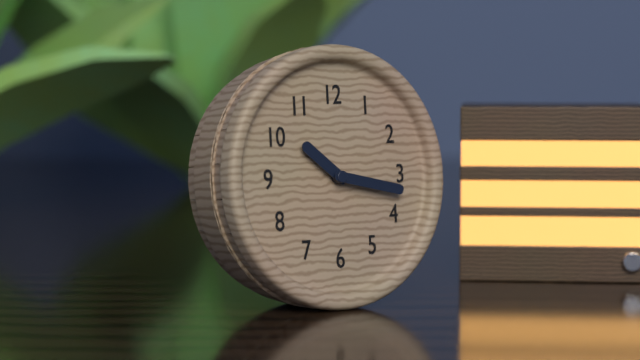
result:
10,17
